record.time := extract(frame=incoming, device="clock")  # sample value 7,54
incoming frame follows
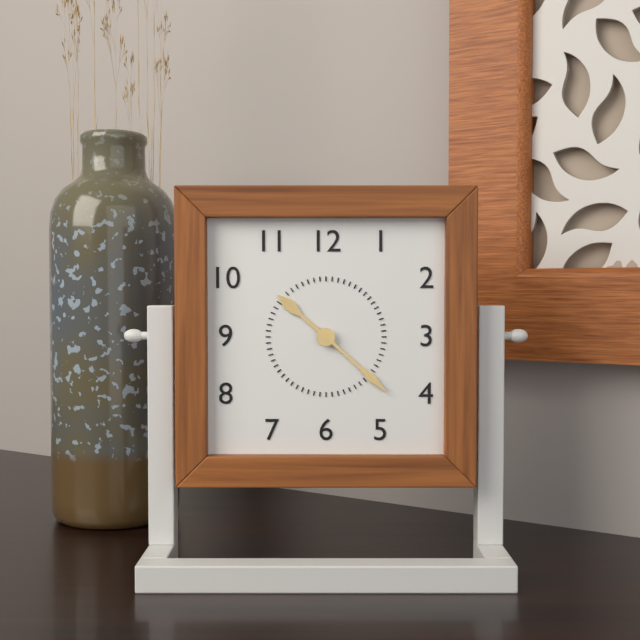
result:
10,22
